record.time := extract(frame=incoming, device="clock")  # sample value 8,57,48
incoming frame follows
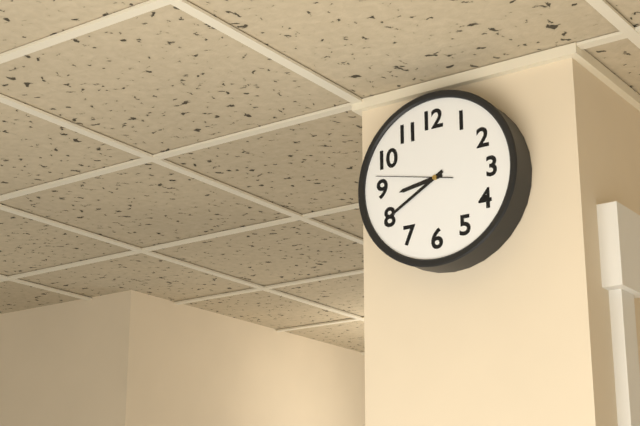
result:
8,40,47
